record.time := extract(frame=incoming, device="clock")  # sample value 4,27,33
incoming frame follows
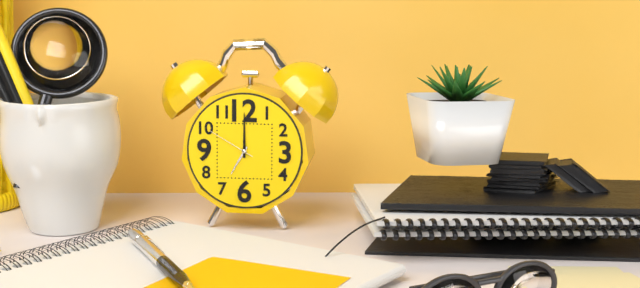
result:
7,00,50
